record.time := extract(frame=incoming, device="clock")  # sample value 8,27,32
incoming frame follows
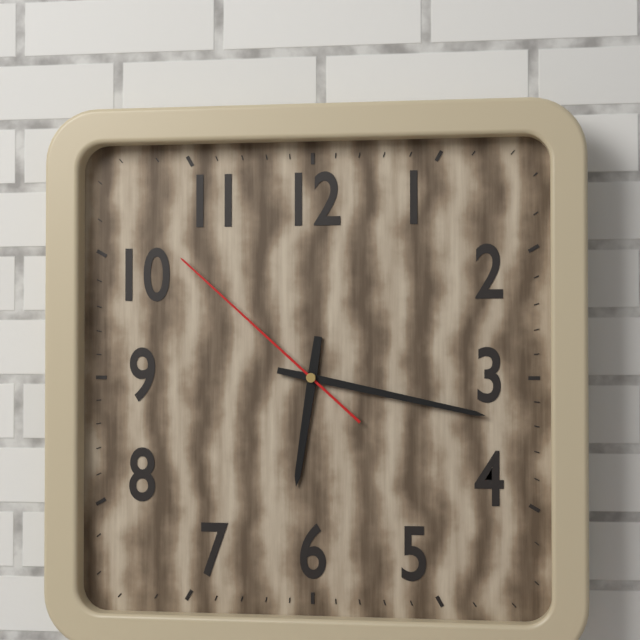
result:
6,17,52
